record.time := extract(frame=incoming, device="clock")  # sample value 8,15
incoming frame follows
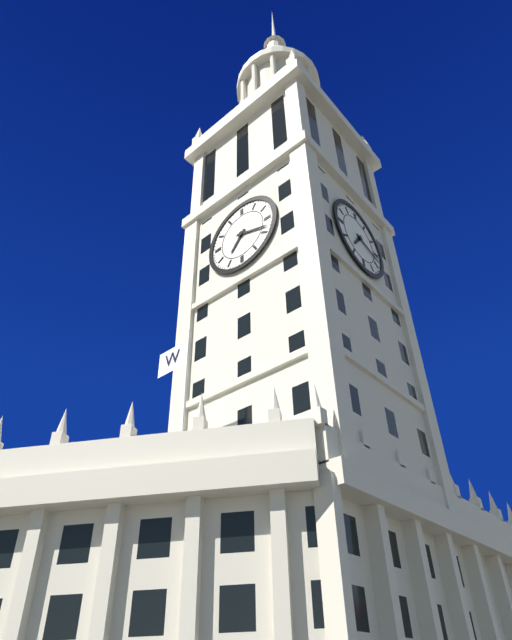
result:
7,18
